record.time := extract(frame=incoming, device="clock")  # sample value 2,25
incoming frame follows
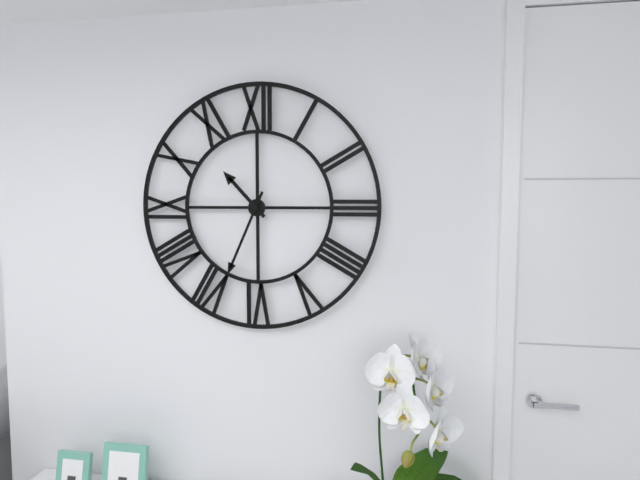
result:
10,34
